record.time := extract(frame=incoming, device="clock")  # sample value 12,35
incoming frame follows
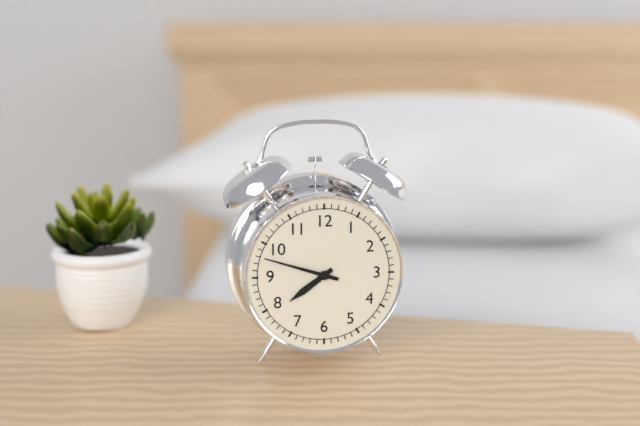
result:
7,48
